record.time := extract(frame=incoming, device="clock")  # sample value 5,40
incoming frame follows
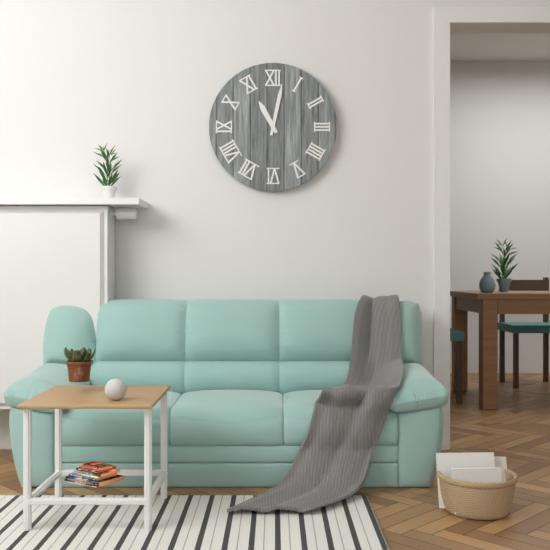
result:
11,02
